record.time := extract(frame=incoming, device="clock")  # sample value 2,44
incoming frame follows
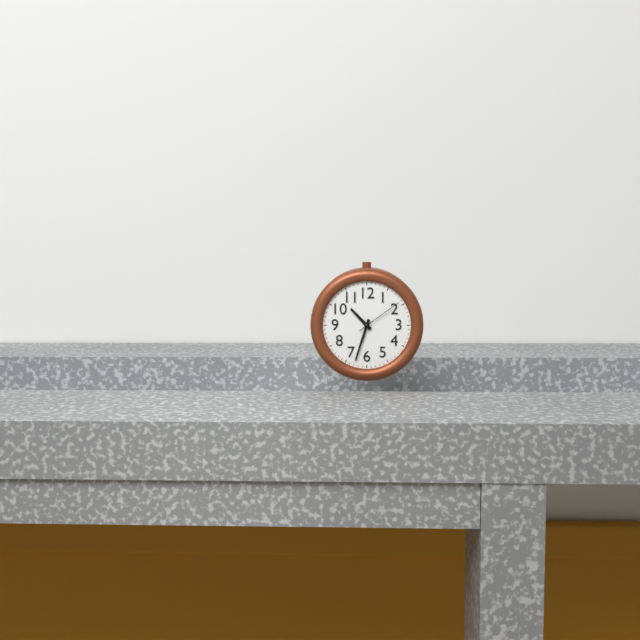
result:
10,33
